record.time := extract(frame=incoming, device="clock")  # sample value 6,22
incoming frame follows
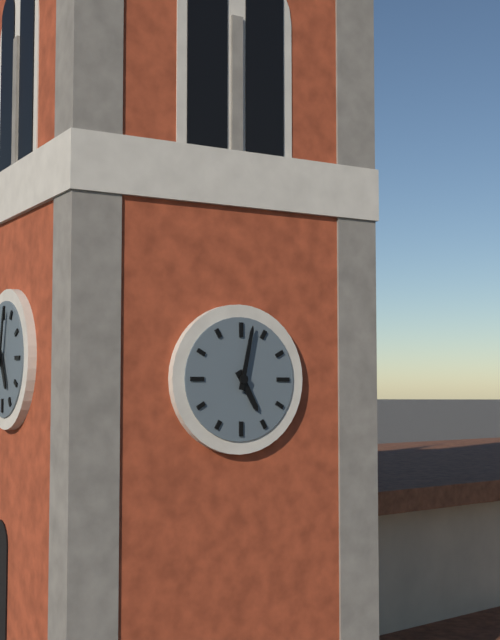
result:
5,02
